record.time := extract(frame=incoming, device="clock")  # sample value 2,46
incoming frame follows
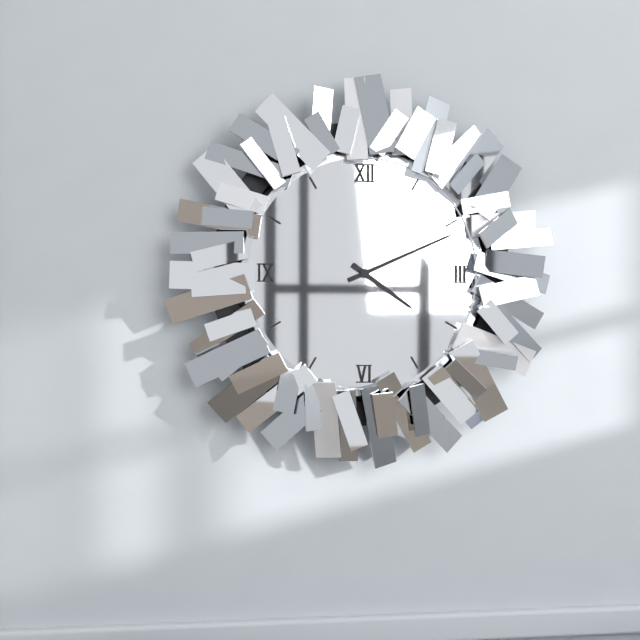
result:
4,11
